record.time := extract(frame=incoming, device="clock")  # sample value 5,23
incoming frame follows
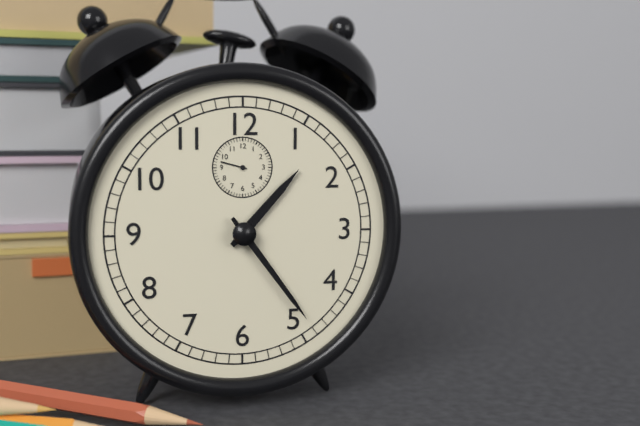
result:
1,24
